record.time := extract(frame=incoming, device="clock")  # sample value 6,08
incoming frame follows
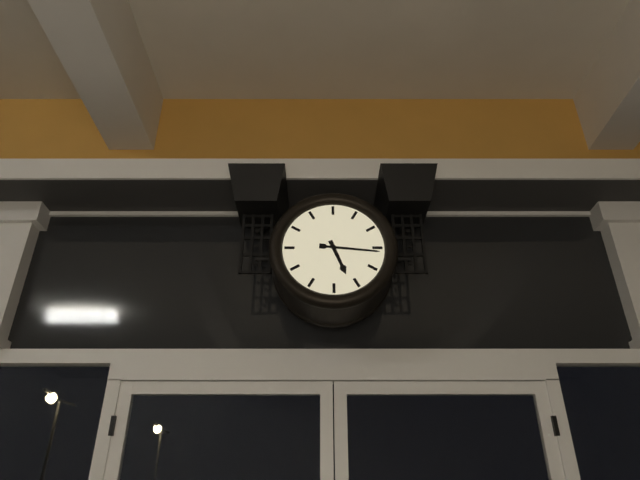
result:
5,16
